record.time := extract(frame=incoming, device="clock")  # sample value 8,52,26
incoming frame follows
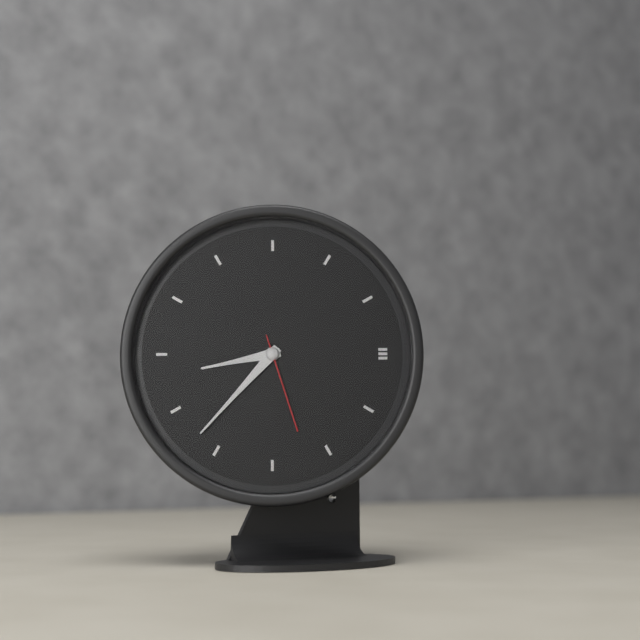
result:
8,37,27
